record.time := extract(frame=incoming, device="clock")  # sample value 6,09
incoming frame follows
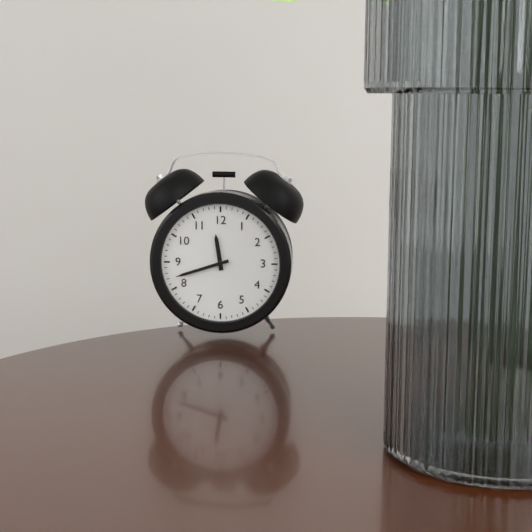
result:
11,42
